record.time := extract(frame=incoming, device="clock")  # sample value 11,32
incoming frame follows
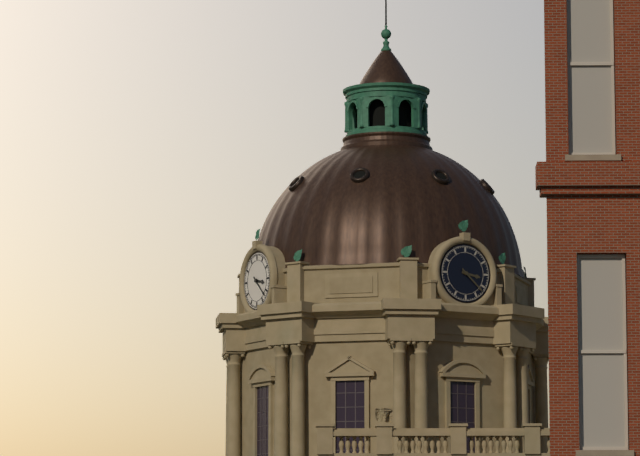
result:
3,22
